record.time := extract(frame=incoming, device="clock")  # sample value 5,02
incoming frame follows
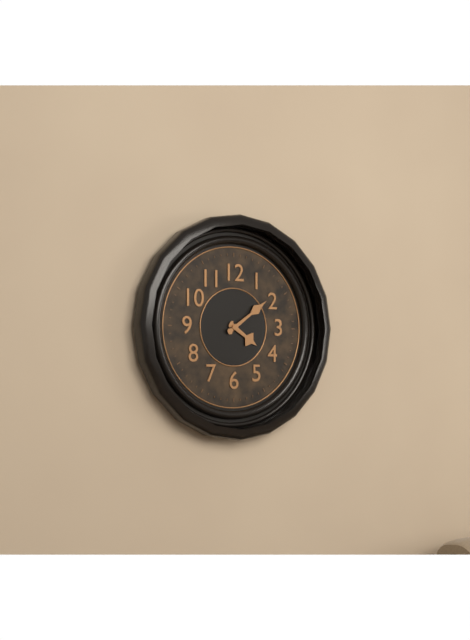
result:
4,09
